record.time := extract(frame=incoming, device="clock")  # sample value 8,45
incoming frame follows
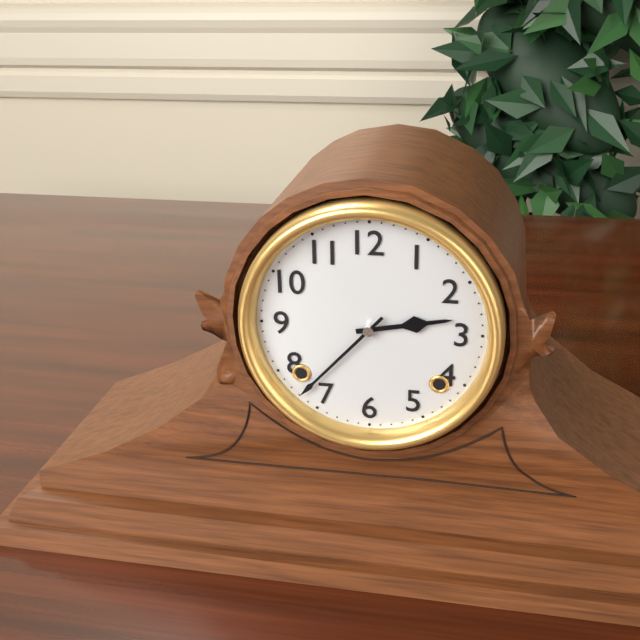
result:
2,37
